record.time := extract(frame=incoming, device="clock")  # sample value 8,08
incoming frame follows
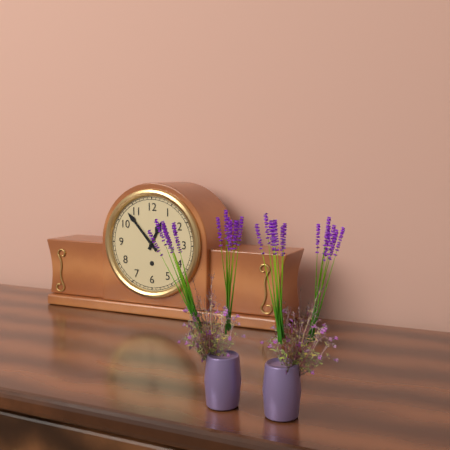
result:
12,53
